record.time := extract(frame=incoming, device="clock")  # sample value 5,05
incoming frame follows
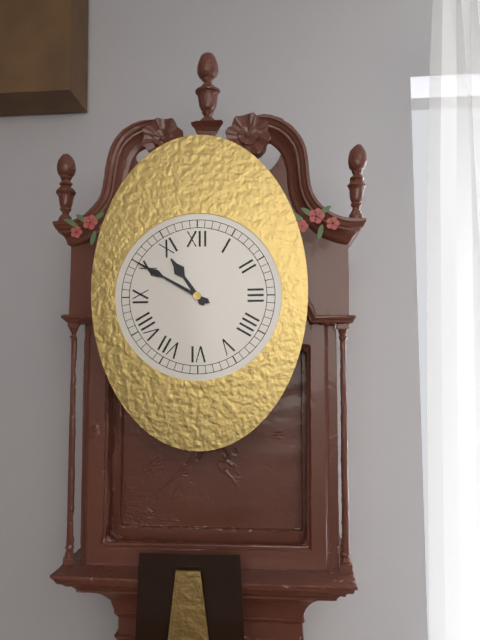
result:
10,50
